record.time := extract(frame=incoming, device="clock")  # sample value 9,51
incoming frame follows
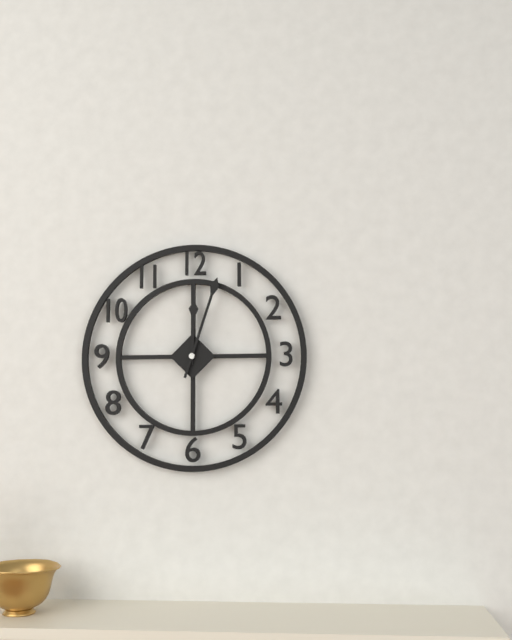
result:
12,03
